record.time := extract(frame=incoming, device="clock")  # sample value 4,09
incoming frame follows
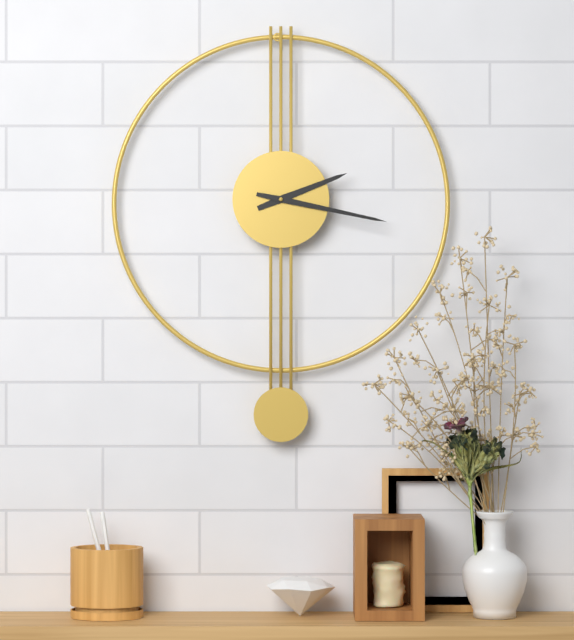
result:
2,17
